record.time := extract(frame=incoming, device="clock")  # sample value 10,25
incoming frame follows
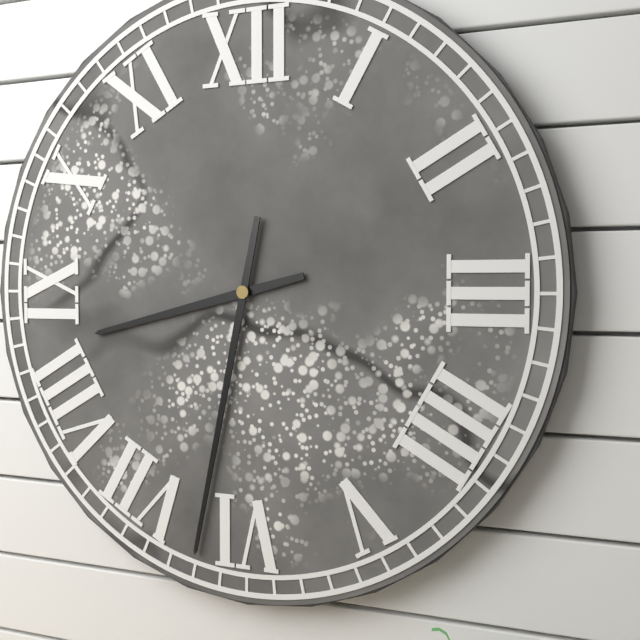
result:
8,32
